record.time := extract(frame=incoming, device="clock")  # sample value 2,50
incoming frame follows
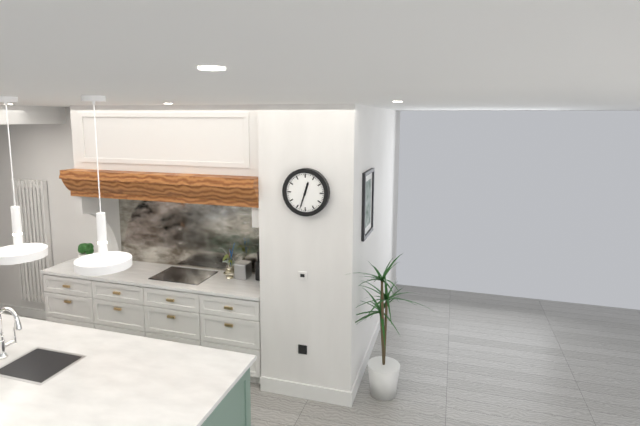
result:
12,33
